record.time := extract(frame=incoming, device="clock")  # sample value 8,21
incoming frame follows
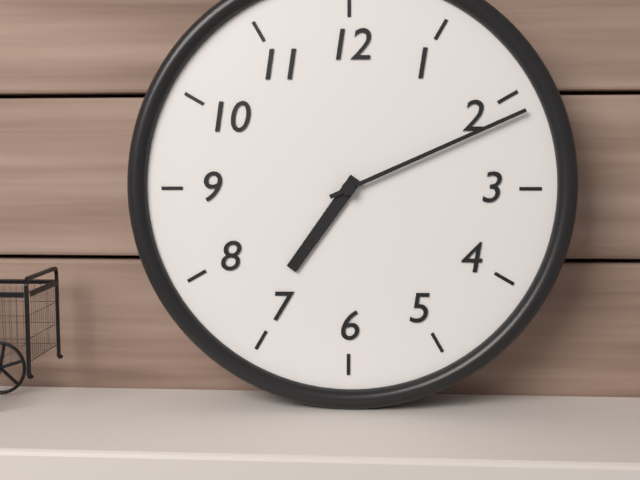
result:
7,11
